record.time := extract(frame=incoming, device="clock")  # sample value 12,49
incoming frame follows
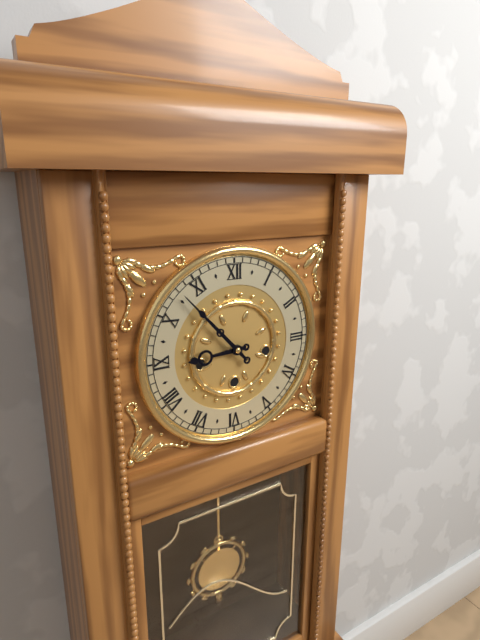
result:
8,53
